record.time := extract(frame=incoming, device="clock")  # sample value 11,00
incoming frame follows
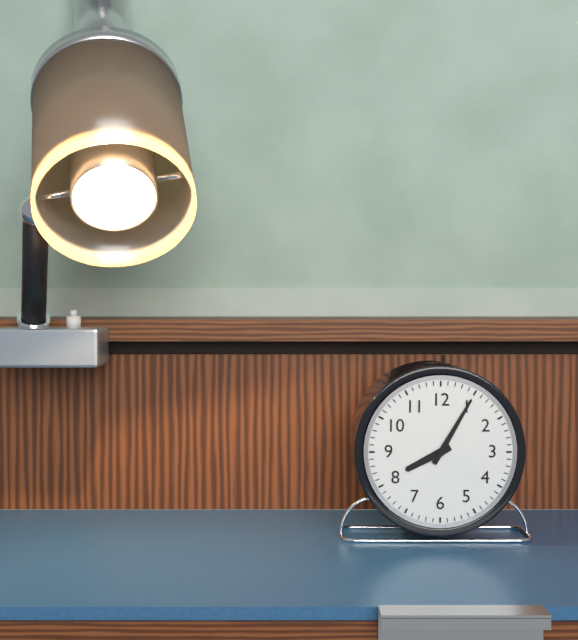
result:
8,05
